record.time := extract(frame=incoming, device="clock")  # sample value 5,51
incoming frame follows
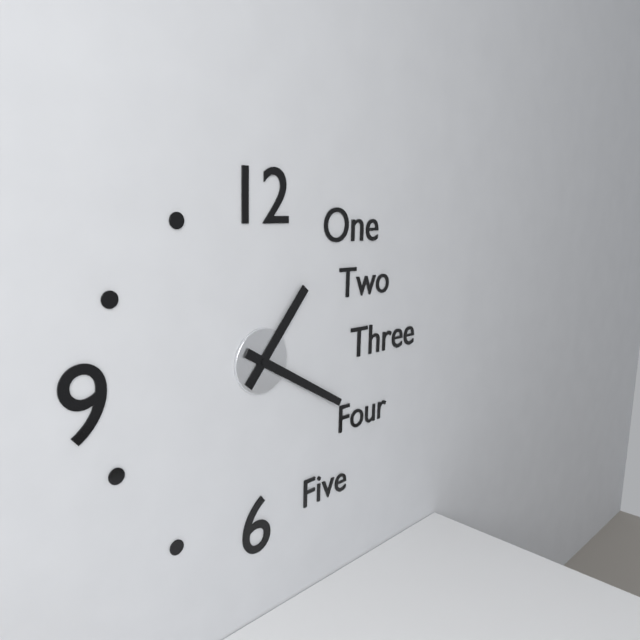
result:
1,20
